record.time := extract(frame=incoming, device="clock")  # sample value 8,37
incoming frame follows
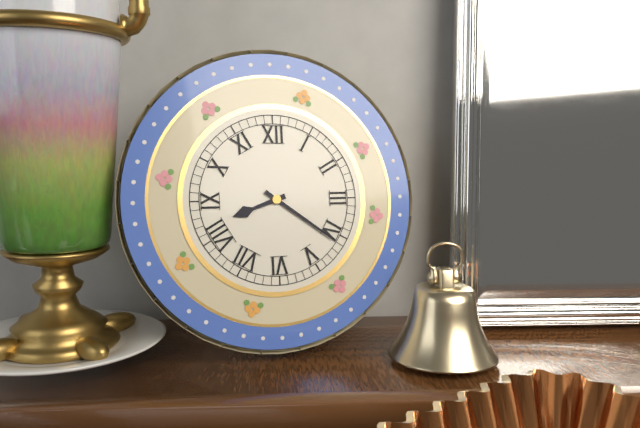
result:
8,21
